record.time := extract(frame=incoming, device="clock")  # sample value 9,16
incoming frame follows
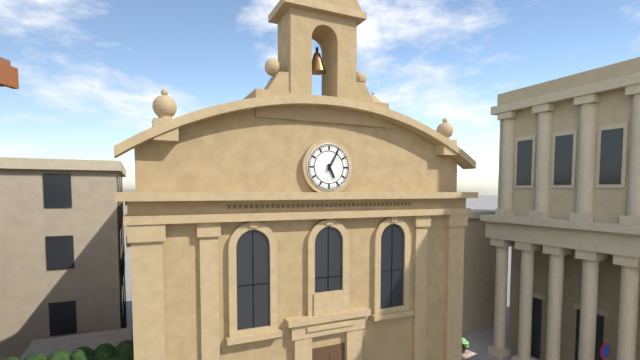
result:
5,05
